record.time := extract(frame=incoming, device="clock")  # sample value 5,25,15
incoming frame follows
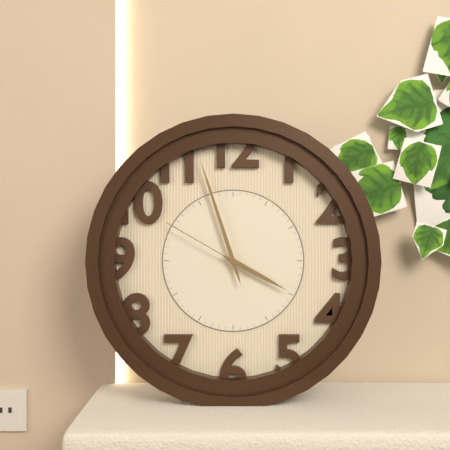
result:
3,57,50
